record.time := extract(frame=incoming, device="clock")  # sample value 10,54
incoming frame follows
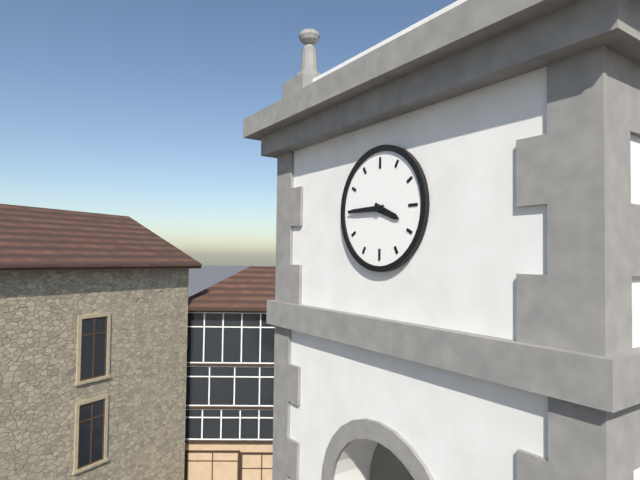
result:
3,45
